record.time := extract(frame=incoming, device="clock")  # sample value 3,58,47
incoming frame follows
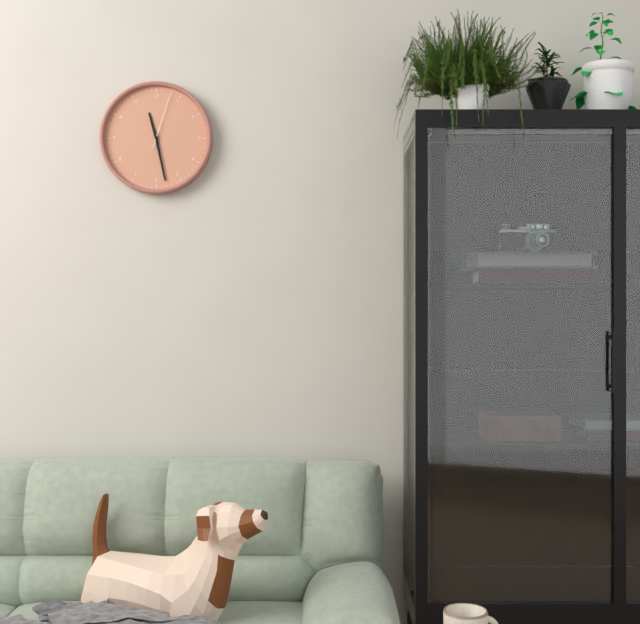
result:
11,28,03
